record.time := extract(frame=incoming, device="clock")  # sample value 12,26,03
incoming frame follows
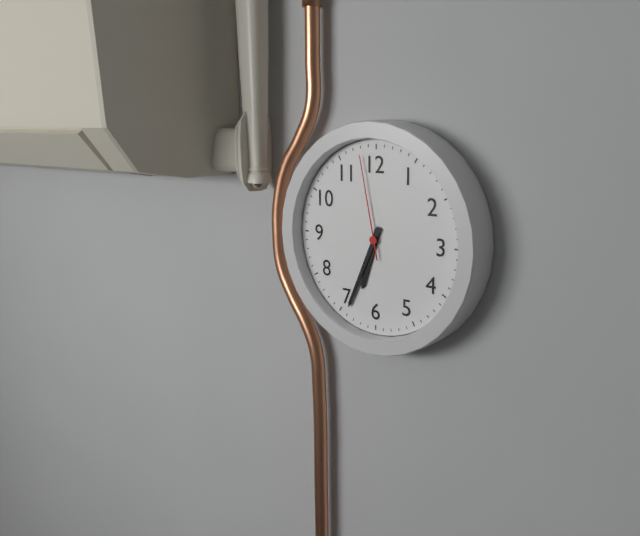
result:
6,34,58
